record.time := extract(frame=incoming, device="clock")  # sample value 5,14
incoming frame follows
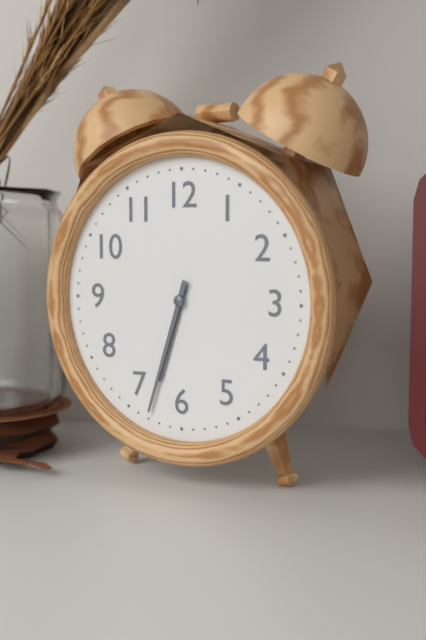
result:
6,33
